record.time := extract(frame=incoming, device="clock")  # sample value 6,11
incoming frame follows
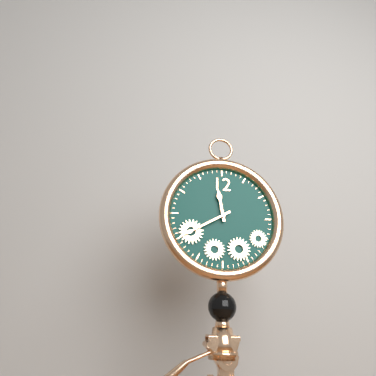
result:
11,40
